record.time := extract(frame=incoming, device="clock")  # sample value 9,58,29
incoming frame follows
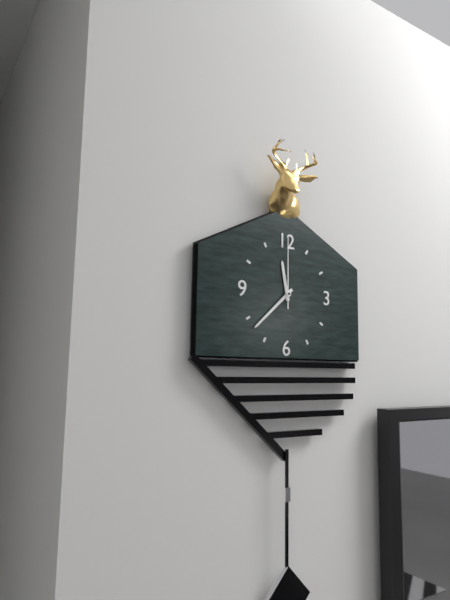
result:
11,38,00
